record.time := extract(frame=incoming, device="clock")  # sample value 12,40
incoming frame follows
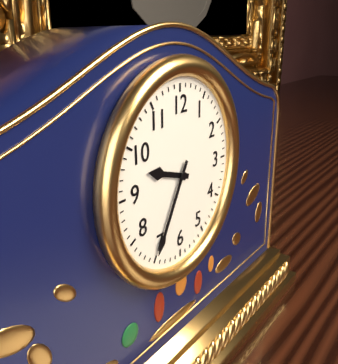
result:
9,35
